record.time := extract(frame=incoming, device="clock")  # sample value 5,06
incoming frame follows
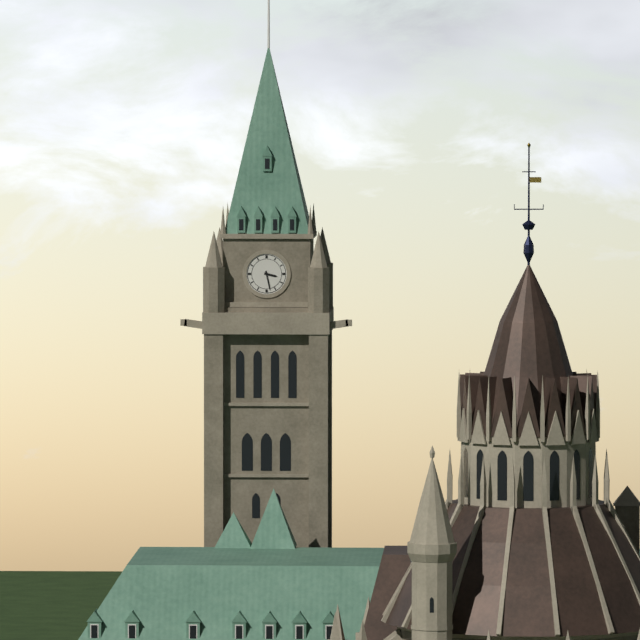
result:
3,28
